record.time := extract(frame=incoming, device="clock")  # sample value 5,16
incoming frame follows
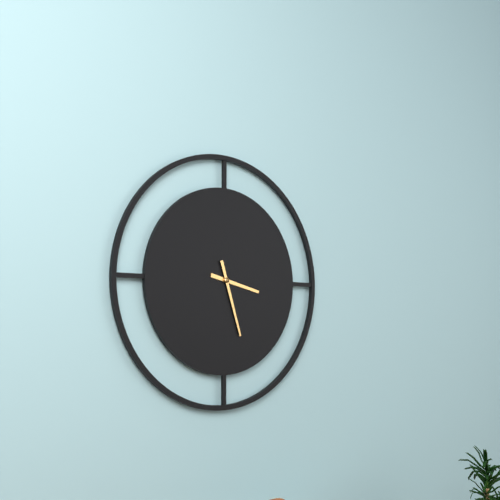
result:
3,27
